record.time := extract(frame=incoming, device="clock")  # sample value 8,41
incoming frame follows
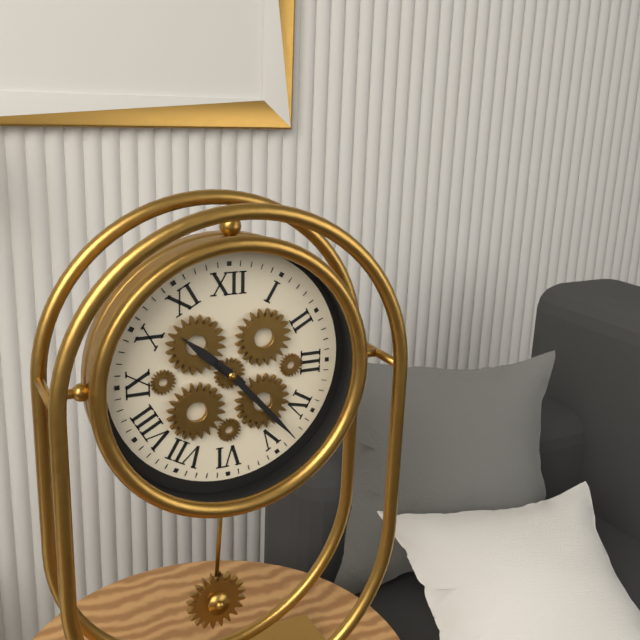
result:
10,23
